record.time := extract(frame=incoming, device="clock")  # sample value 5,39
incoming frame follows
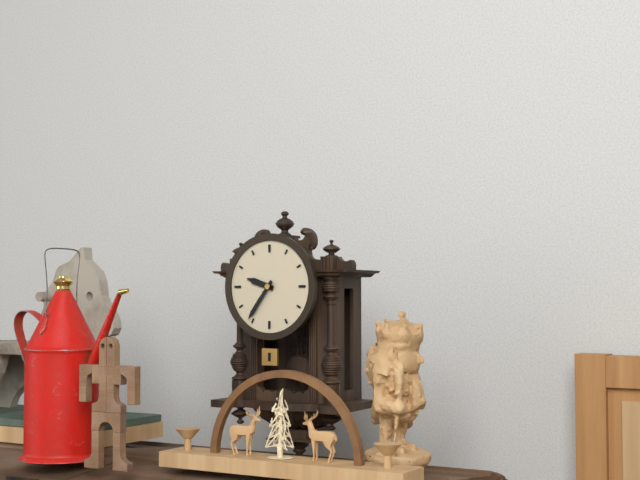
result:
9,36
